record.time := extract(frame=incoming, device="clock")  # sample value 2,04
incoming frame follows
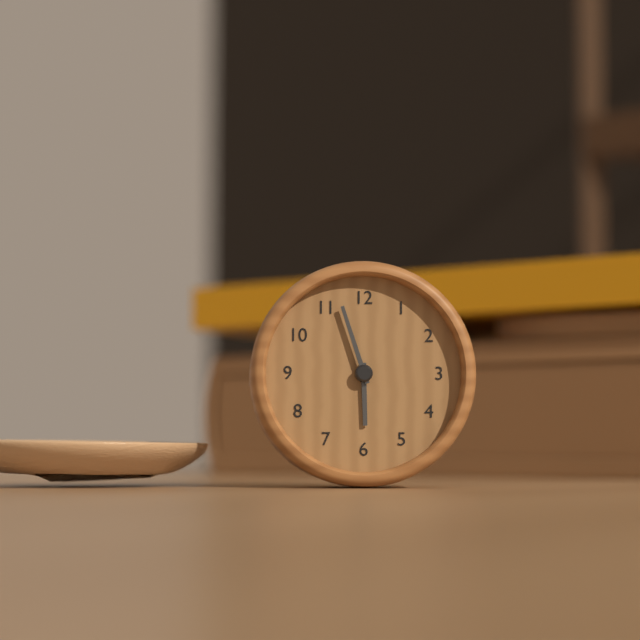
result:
5,57
